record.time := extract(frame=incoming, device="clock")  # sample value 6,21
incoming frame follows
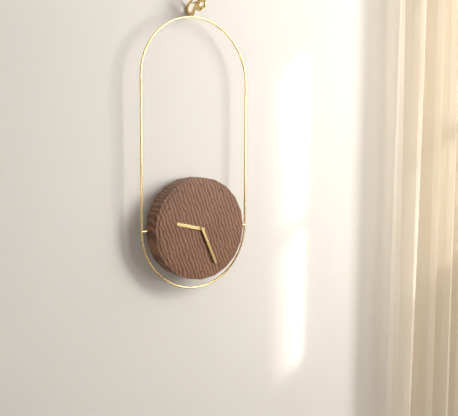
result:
9,26
